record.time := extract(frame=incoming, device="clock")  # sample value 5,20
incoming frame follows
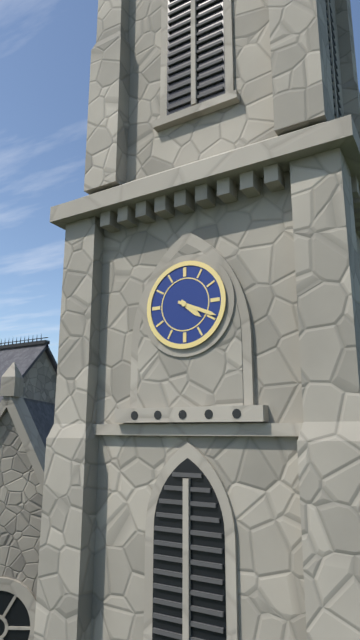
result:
4,19
